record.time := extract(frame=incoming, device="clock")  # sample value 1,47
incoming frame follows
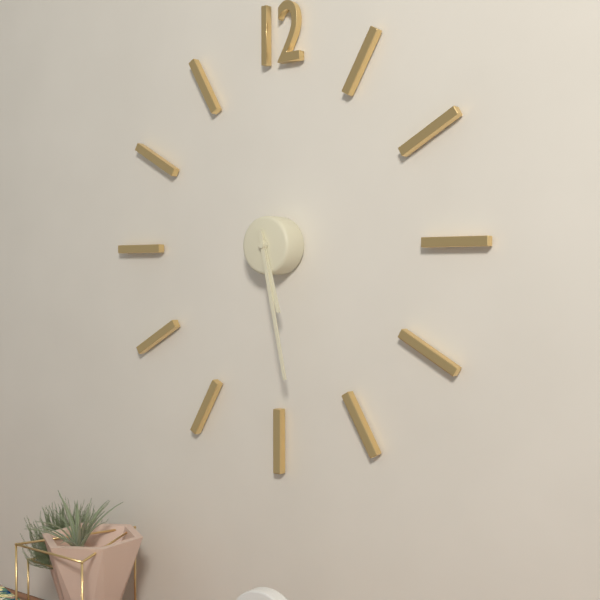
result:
5,28
